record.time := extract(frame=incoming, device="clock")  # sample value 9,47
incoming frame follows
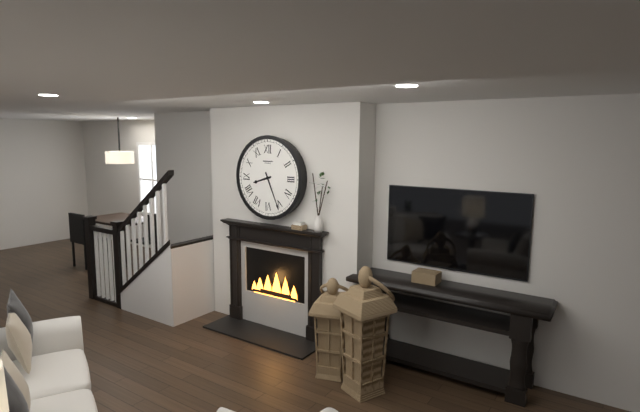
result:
8,26
